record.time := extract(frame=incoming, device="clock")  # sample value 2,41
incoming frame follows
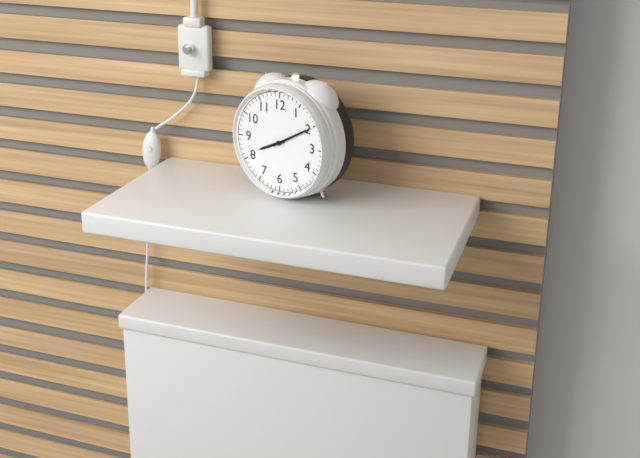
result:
8,10
